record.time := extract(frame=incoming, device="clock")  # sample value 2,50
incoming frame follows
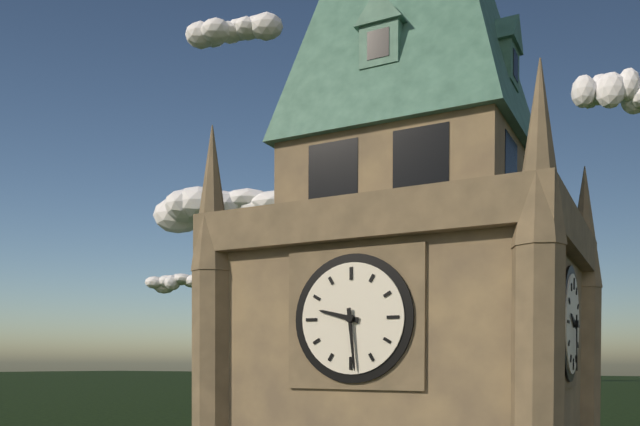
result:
9,29
